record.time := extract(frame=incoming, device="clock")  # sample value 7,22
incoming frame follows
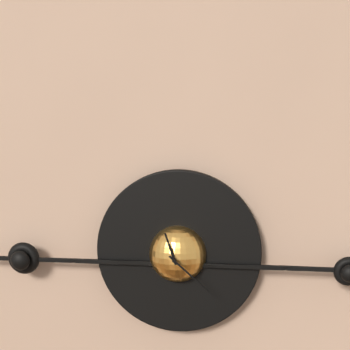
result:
11,22
